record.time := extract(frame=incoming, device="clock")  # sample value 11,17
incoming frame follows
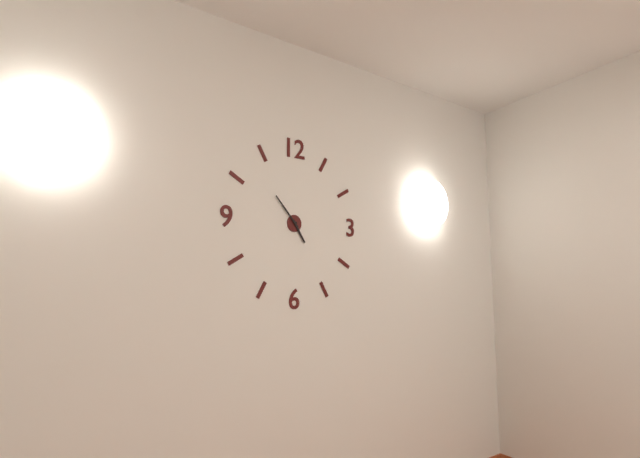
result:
4,53
